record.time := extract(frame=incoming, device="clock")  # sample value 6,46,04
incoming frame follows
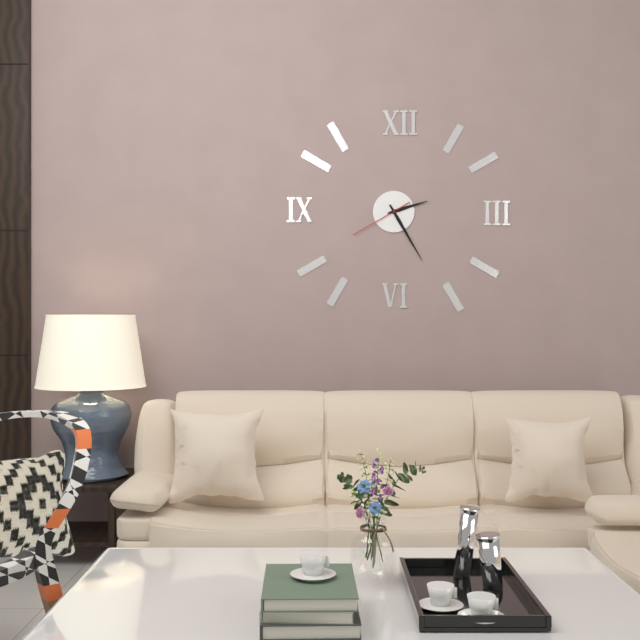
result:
2,25,40
